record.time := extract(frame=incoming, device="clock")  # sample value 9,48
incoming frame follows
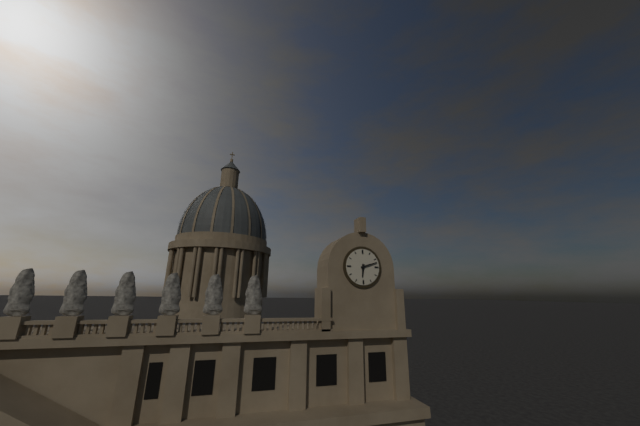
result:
6,12
